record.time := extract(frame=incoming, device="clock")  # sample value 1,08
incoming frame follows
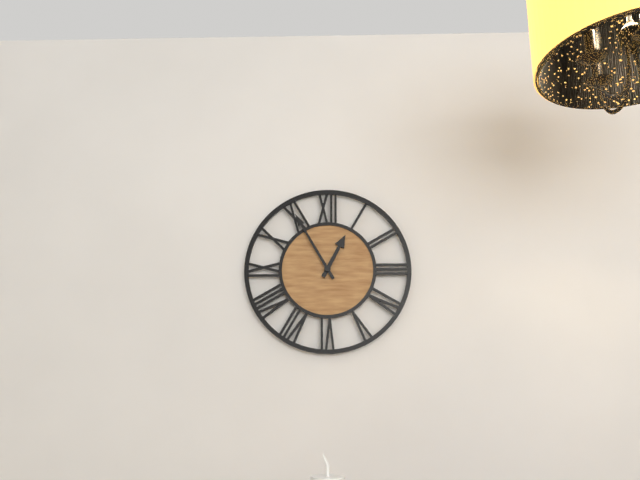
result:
12,55
